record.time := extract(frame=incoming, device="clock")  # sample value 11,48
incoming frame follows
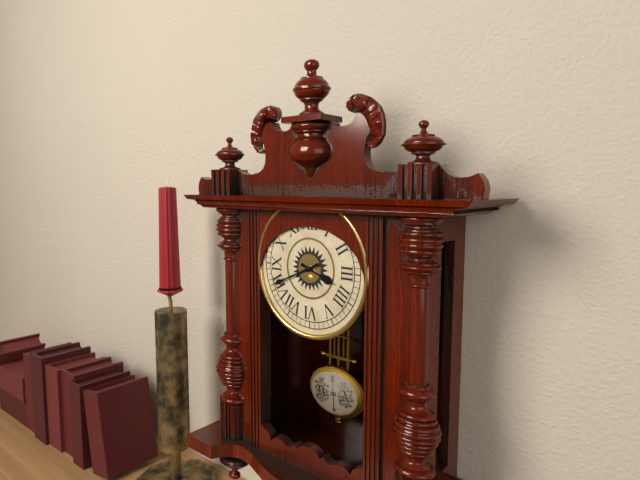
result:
3,41
